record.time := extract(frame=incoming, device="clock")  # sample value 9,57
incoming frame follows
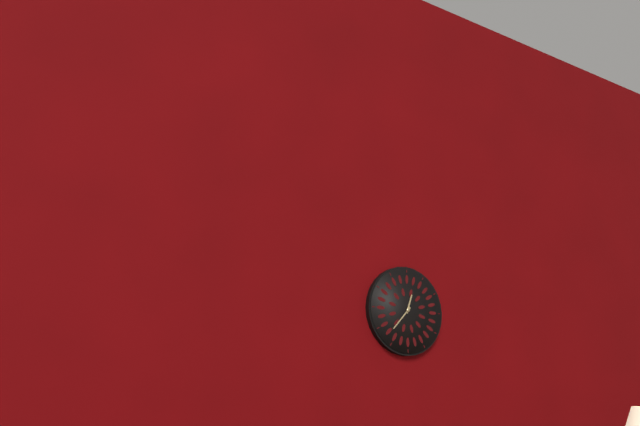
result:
12,37
